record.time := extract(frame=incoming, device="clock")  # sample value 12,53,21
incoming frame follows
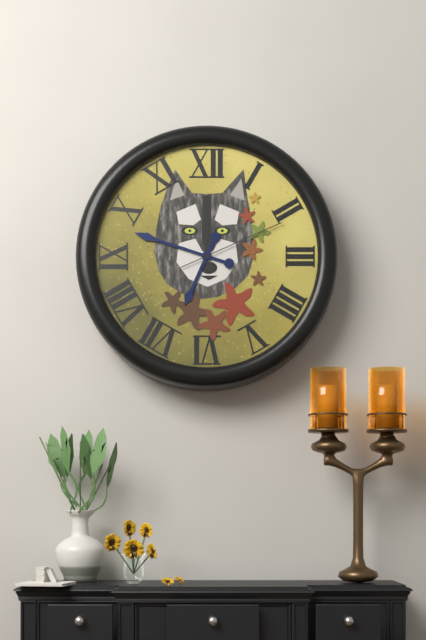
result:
6,48,11
